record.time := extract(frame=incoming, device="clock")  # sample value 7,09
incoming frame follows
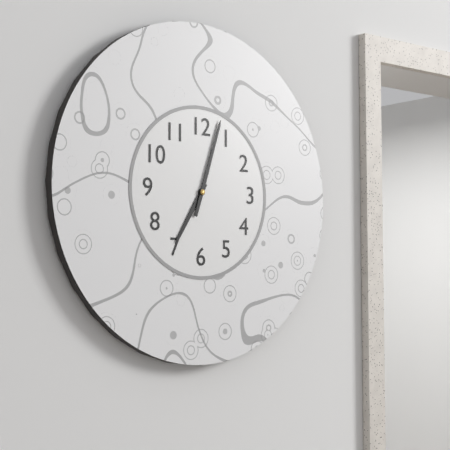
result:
7,03
